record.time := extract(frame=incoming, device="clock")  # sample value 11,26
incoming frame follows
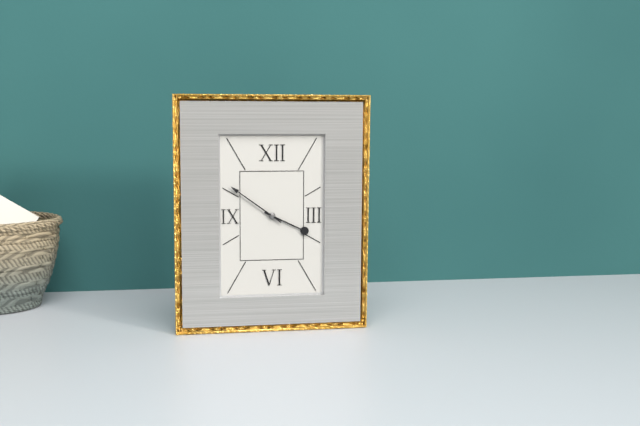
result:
3,51
